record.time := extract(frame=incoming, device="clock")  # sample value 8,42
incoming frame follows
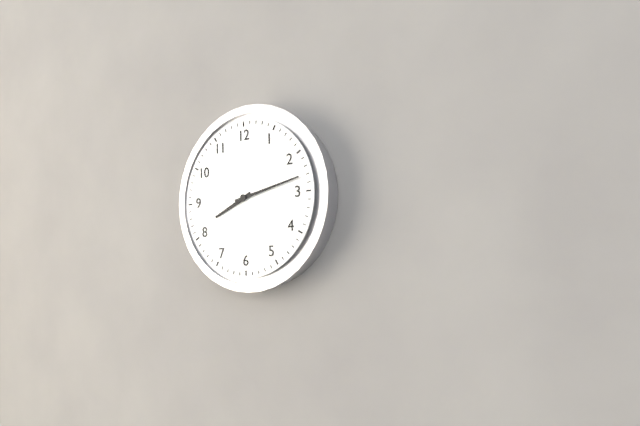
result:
8,13
